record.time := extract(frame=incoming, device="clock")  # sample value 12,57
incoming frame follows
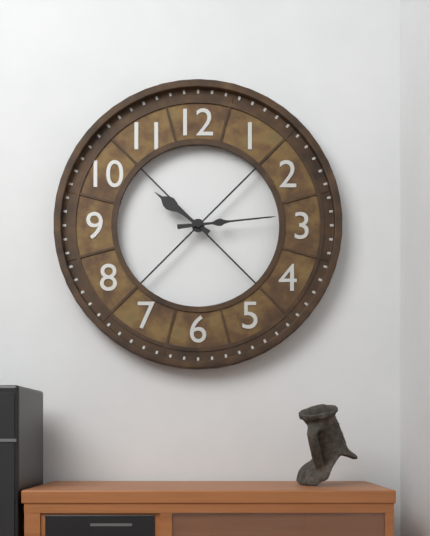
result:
10,14
